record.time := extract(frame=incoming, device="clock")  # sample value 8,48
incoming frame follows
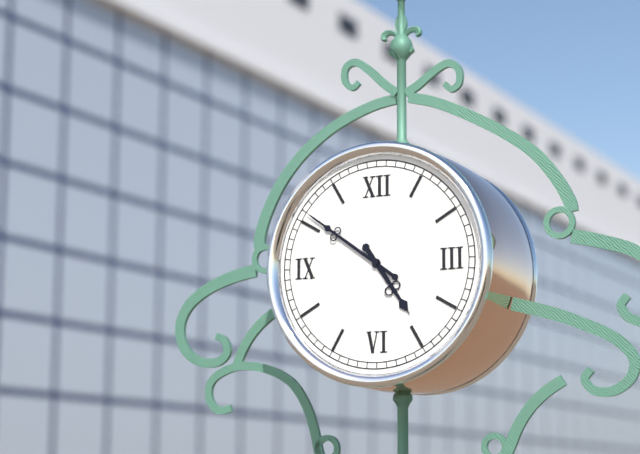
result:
4,51
